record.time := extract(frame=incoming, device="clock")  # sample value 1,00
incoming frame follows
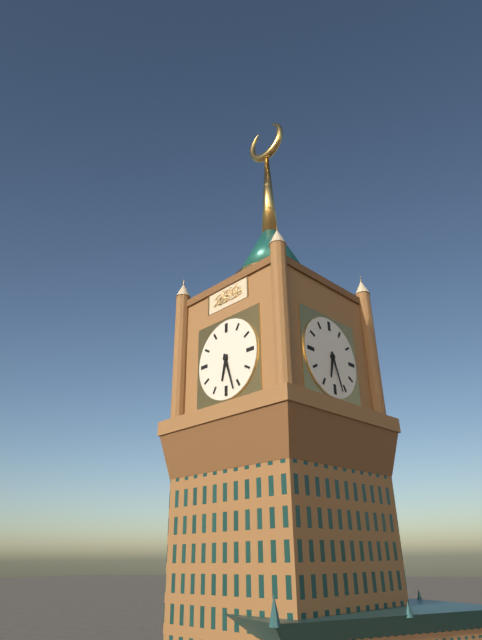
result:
6,27
